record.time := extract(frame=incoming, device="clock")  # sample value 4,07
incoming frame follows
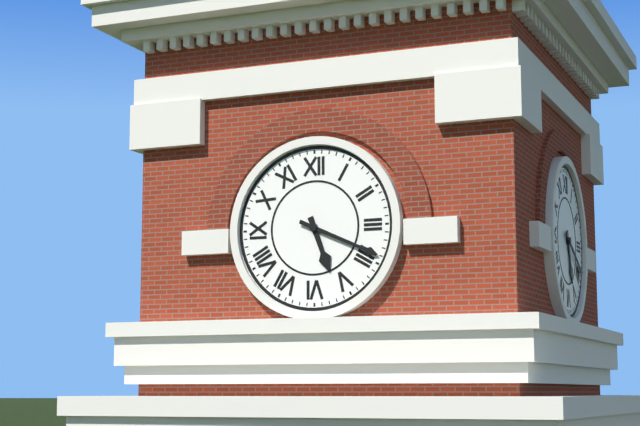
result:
5,19
